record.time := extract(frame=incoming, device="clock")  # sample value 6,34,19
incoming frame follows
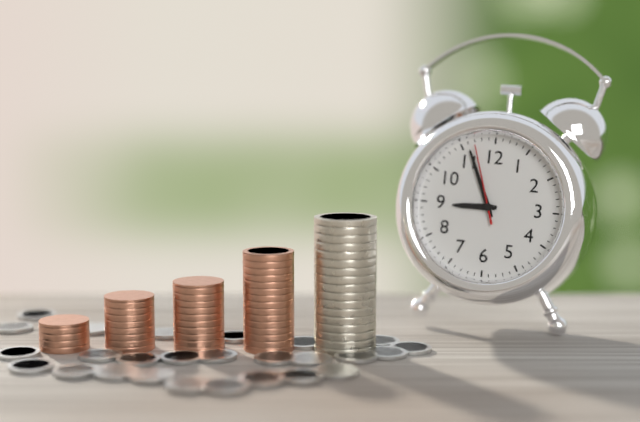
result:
8,56,57
